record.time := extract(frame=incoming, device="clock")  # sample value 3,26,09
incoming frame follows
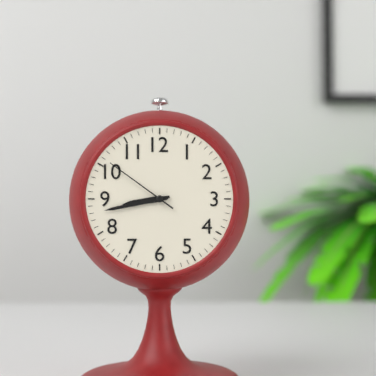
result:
8,43,51
